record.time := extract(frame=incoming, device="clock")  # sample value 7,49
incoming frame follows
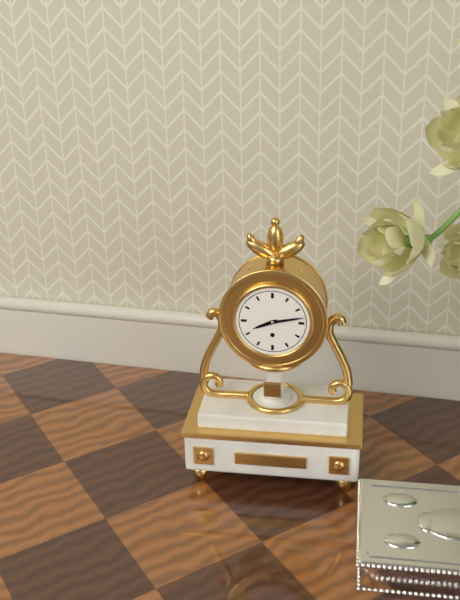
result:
8,13
